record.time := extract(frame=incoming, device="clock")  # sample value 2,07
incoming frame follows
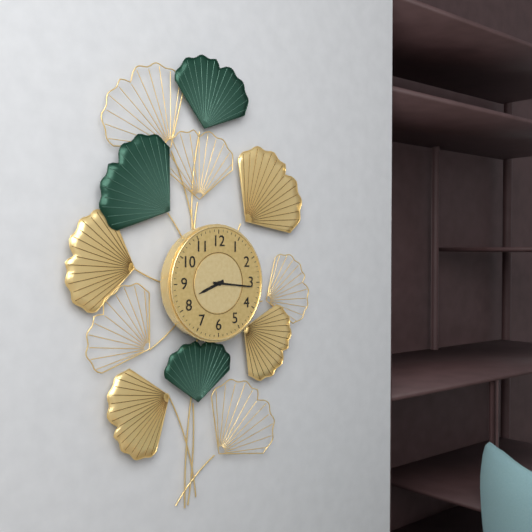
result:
8,16
